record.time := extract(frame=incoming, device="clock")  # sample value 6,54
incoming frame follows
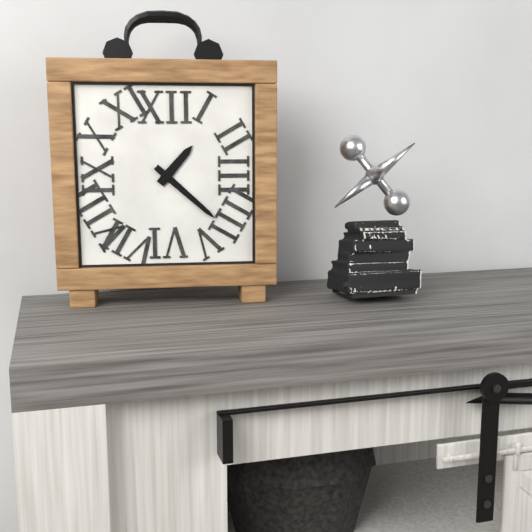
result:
1,22
